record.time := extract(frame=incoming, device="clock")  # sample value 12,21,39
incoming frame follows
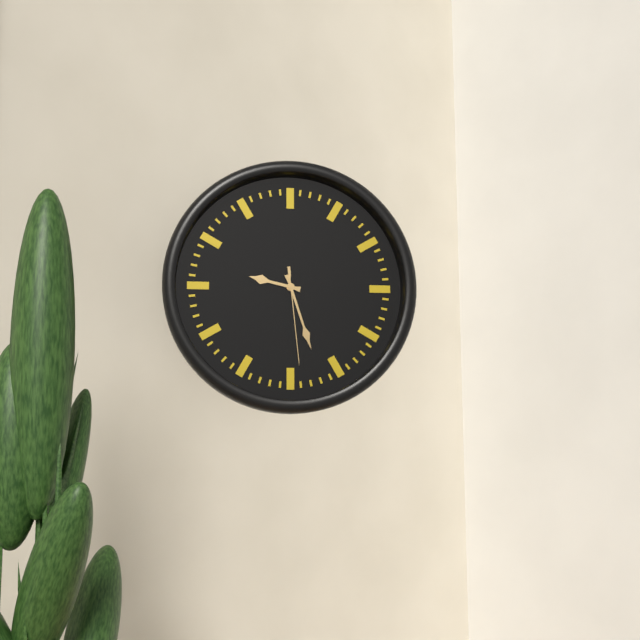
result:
9,27,29
